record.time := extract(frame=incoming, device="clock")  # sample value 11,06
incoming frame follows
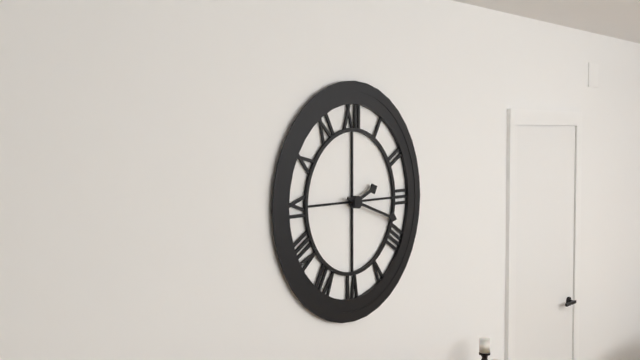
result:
2,18
